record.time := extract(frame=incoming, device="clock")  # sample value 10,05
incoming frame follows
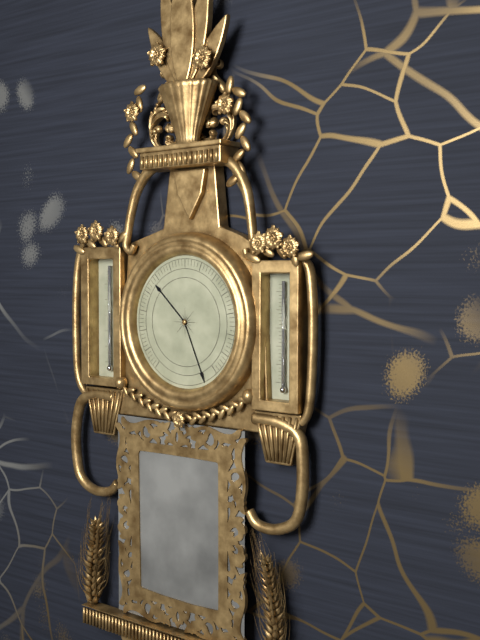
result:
10,26
